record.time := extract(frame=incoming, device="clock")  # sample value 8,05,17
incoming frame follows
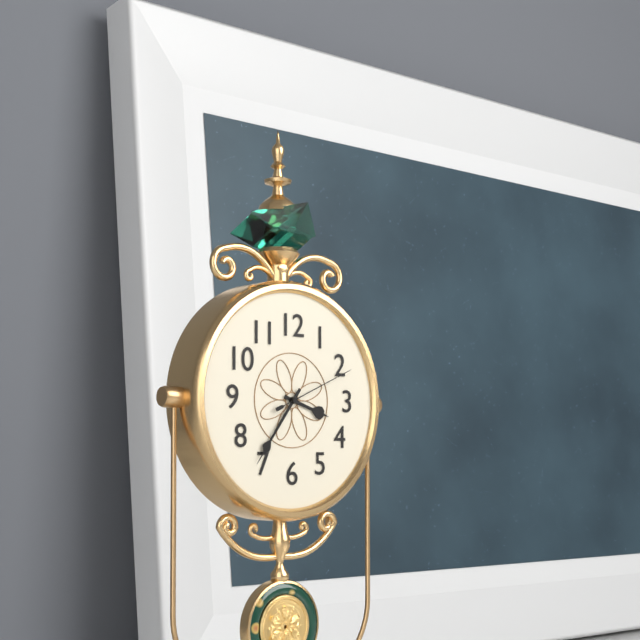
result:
3,36,11
